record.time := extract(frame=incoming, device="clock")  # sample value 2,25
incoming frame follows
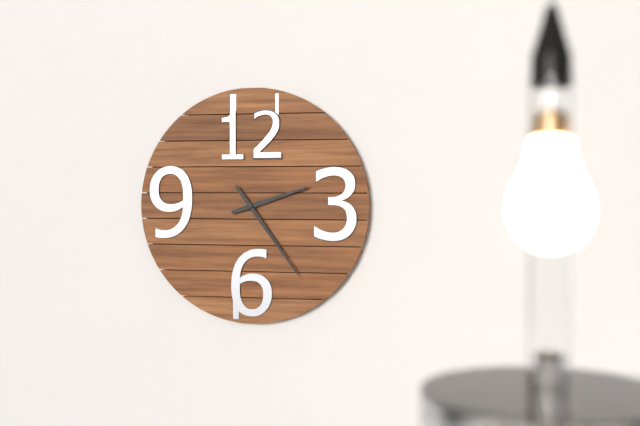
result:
2,24
